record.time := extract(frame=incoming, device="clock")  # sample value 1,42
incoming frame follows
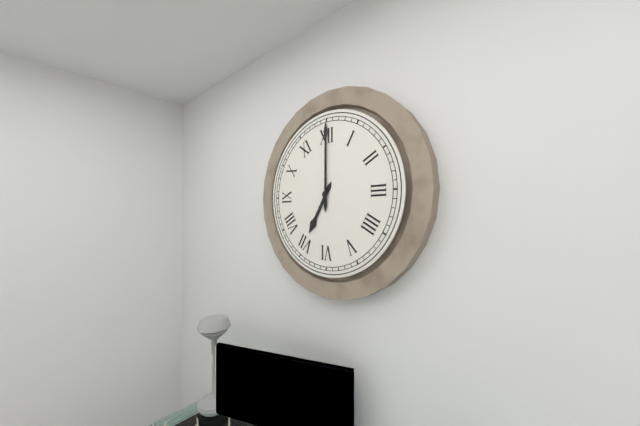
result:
7,00
